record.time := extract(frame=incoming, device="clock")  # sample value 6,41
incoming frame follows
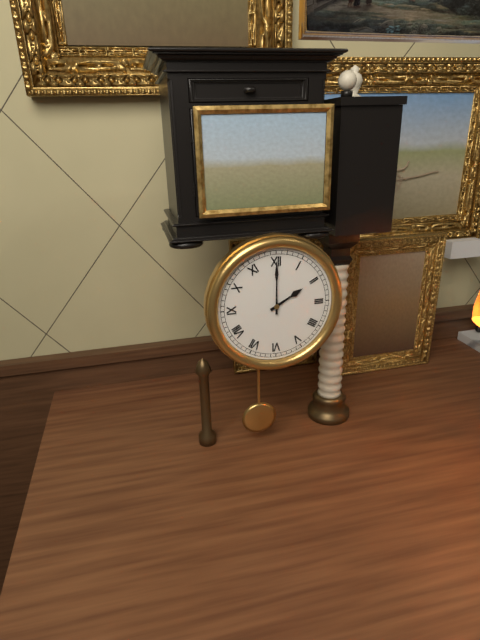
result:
2,00
